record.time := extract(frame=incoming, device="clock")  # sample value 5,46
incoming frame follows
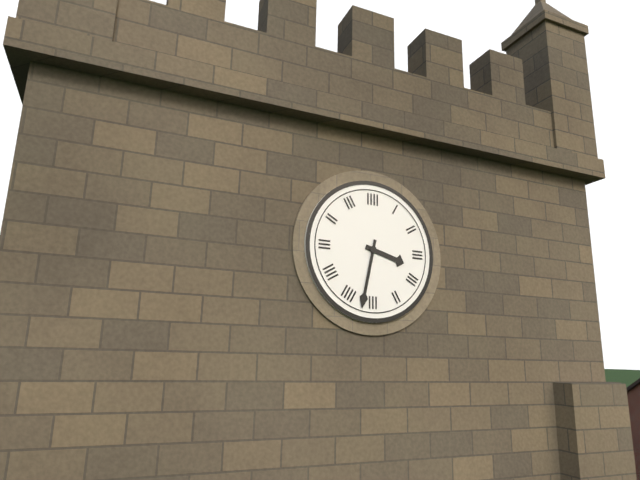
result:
3,32
